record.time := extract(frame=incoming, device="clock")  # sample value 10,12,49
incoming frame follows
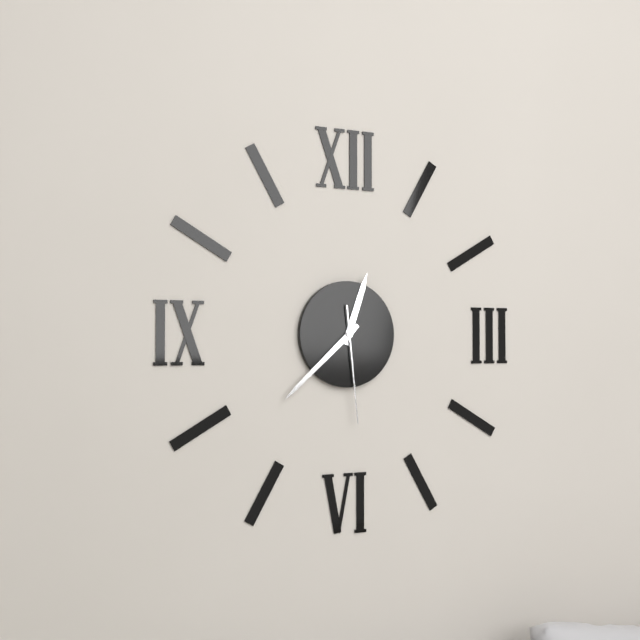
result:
12,38,29
